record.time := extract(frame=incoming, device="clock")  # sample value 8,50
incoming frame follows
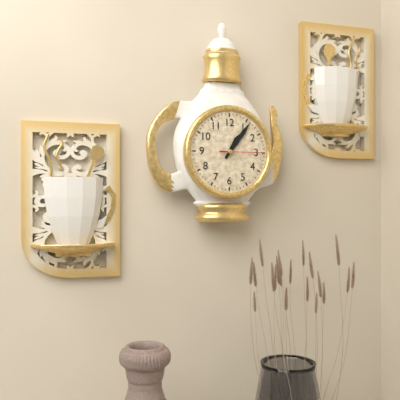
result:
1,06
